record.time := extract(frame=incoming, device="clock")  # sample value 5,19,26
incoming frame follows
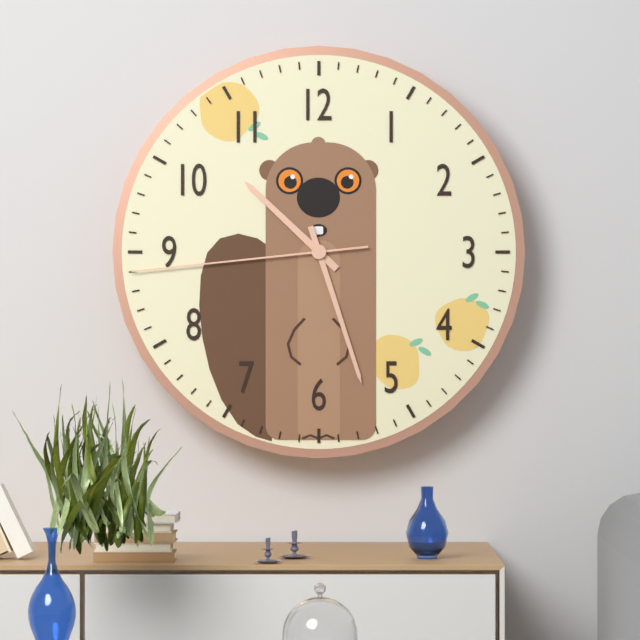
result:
10,27,44
